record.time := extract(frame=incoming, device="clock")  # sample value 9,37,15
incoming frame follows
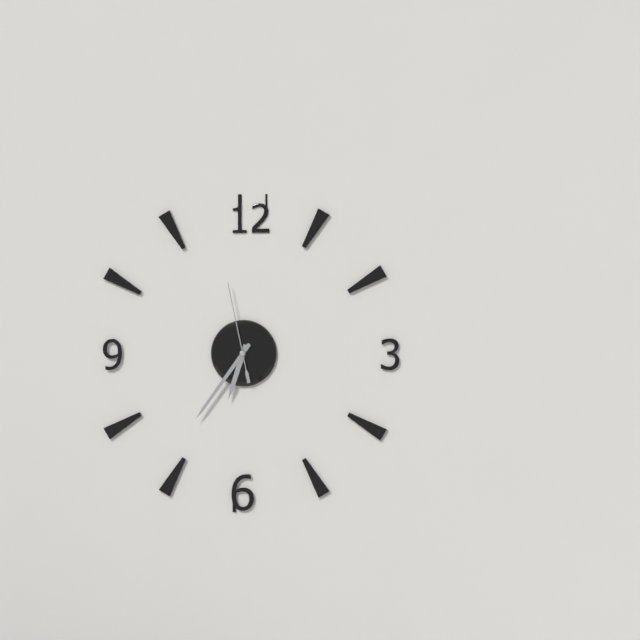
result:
6,36,58
